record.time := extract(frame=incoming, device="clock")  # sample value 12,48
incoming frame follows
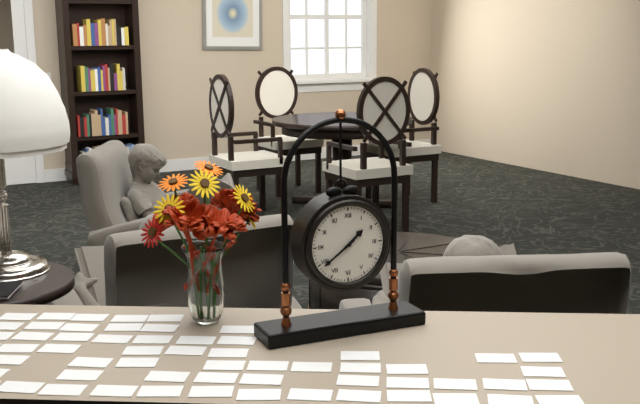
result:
1,39
